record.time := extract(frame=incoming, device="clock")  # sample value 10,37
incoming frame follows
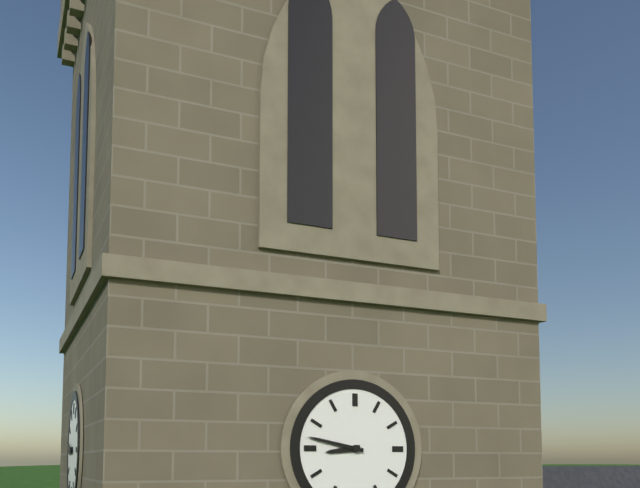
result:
8,47
